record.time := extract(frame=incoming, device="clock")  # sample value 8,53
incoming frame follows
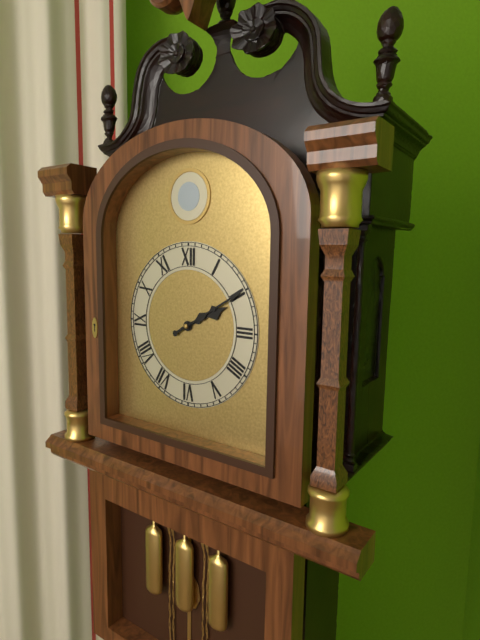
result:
2,10
